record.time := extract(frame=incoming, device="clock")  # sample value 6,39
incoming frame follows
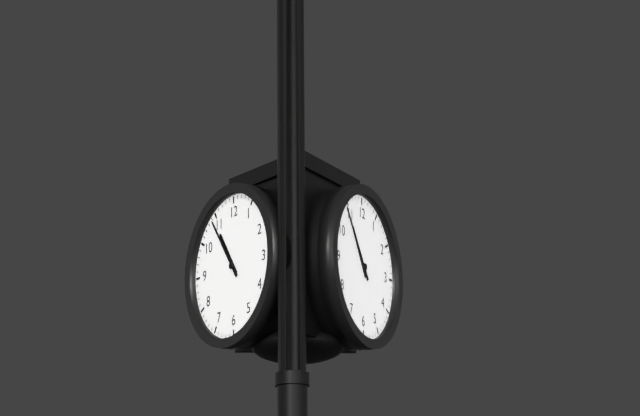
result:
10,54
